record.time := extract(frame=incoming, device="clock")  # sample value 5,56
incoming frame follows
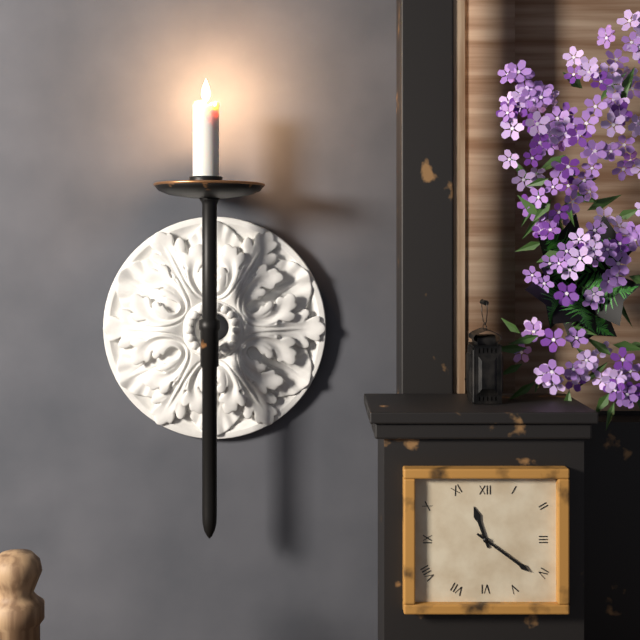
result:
11,21
